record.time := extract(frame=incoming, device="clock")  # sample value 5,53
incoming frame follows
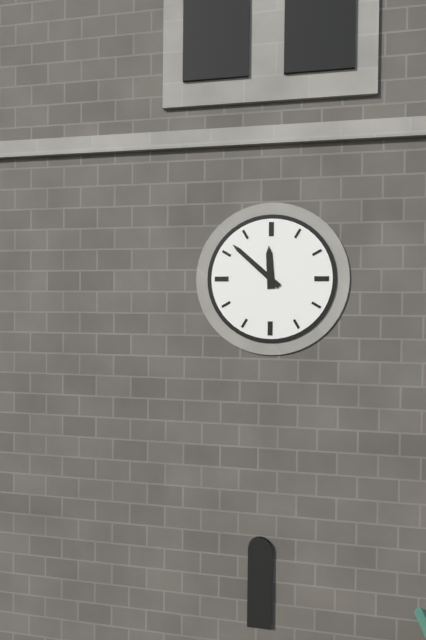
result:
11,52
